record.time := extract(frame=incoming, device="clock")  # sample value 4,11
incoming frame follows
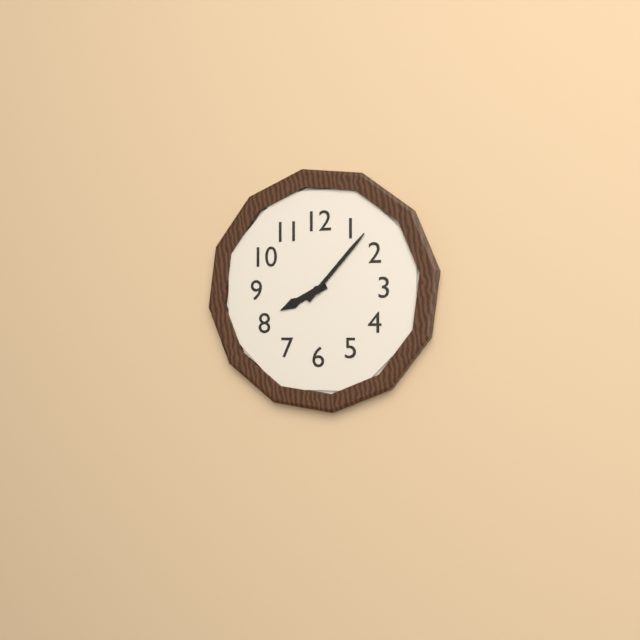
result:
8,07
